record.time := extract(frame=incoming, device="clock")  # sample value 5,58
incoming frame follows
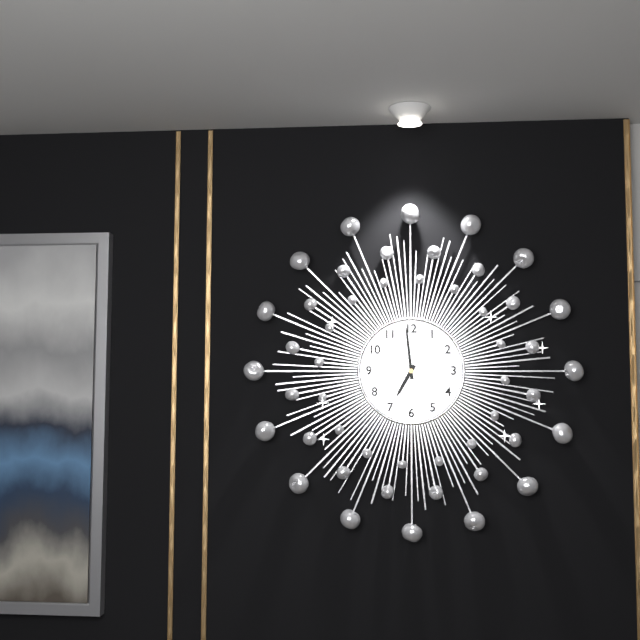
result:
6,59
